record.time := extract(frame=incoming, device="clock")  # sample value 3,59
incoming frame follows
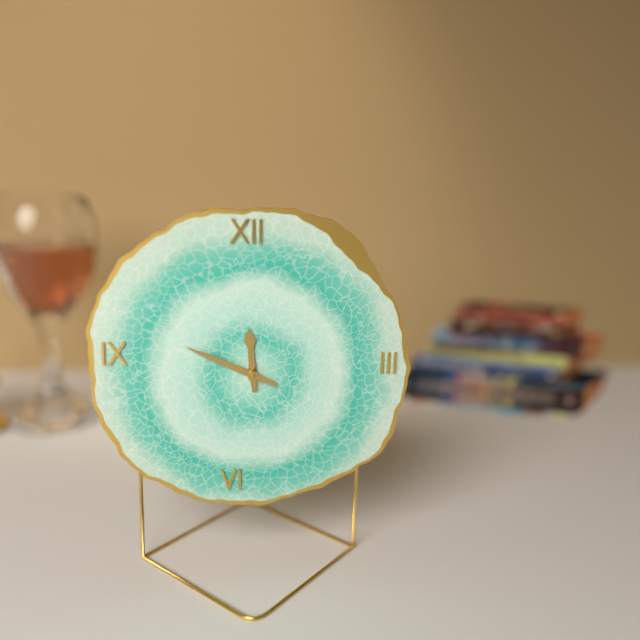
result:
11,49
